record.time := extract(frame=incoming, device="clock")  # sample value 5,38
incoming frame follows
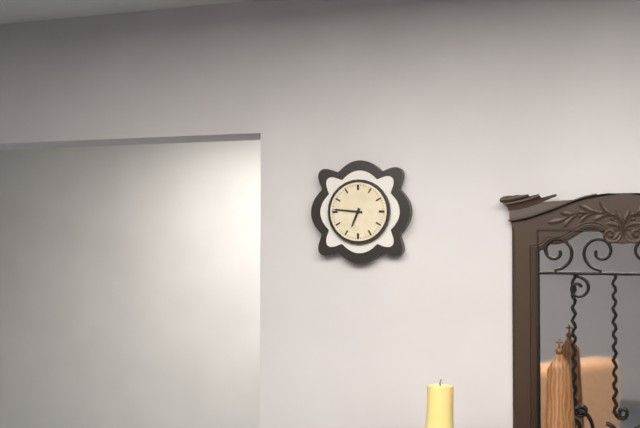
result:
6,46
